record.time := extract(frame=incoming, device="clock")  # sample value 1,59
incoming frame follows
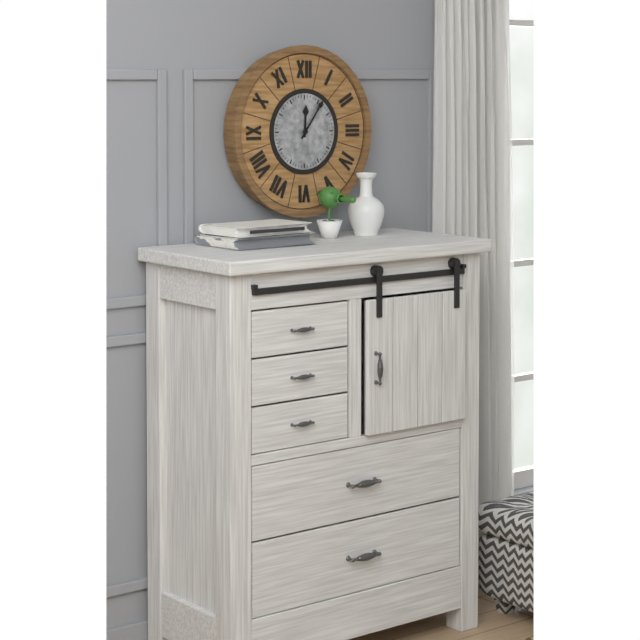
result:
12,06
